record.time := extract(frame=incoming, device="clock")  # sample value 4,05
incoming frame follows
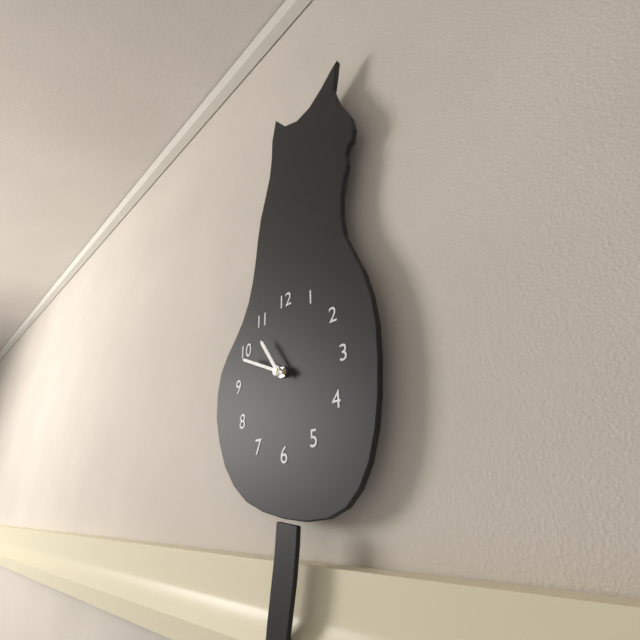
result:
10,49
